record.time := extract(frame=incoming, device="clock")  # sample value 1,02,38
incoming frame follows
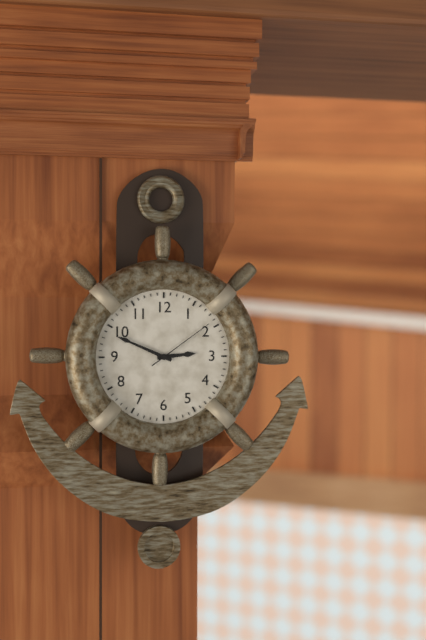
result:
2,49,09
